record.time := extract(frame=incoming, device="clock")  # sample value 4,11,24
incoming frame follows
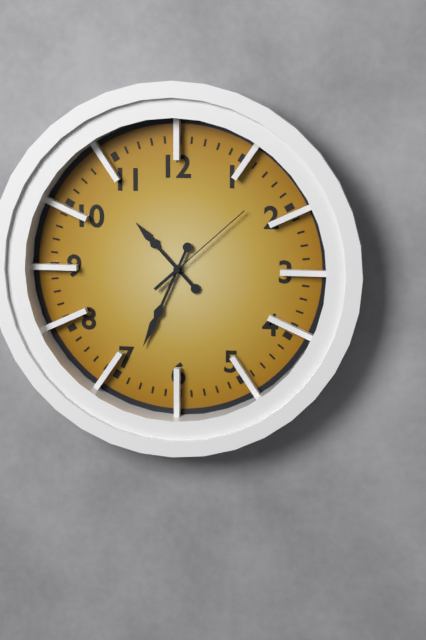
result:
10,34,08
